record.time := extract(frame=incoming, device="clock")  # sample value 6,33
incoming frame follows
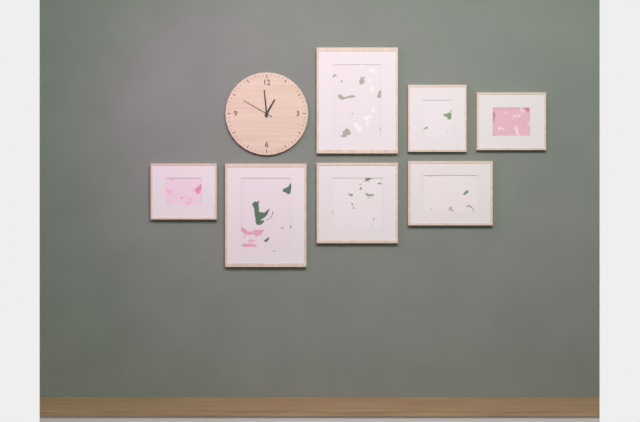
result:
12,59
